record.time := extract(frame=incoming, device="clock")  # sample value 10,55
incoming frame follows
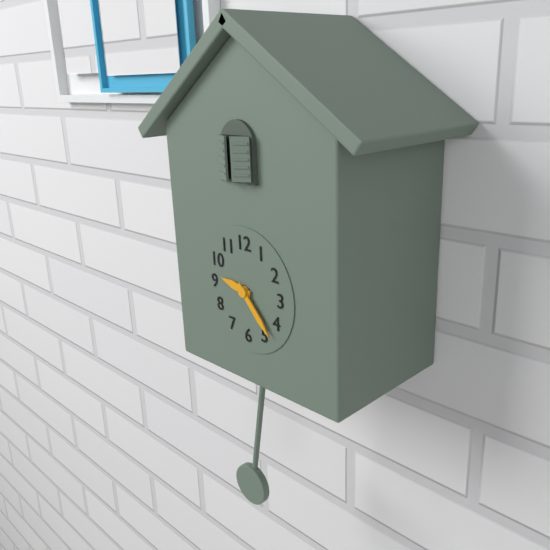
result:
9,23
